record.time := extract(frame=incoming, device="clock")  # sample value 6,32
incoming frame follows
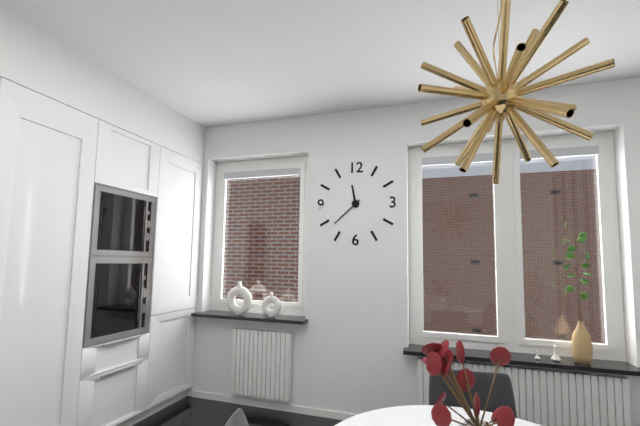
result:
11,38
